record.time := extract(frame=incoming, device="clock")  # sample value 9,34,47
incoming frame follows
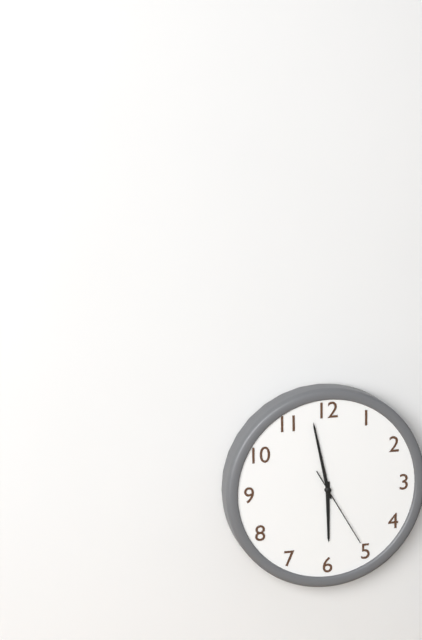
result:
5,58,25
